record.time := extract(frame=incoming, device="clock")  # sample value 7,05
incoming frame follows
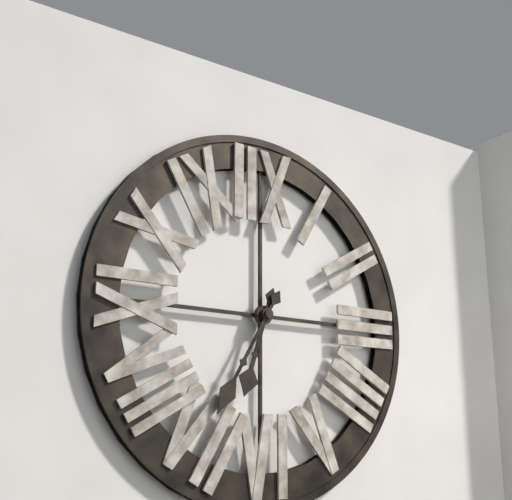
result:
6,35
